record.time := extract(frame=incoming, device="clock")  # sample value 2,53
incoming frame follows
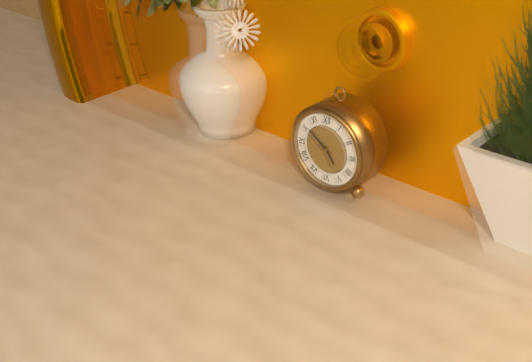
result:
4,51
